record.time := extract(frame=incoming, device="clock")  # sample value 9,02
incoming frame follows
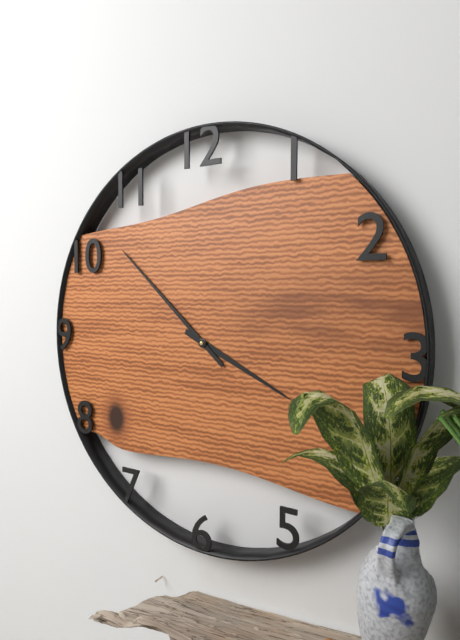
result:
3,52
